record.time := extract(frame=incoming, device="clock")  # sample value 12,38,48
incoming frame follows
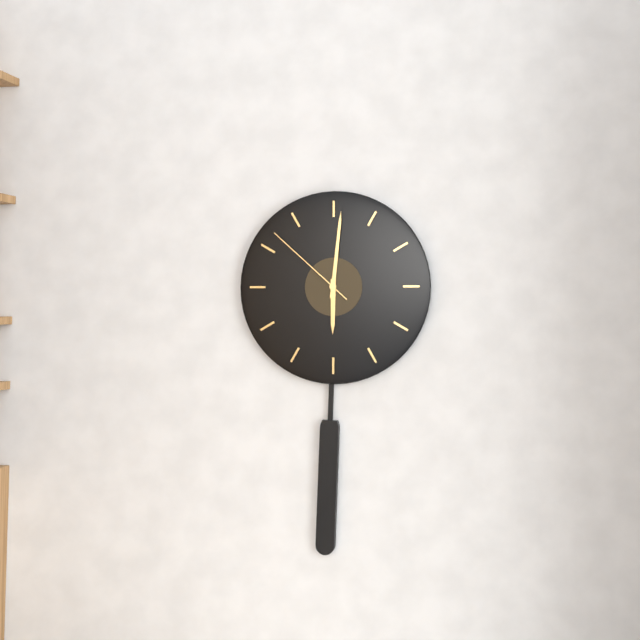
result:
6,01,52
